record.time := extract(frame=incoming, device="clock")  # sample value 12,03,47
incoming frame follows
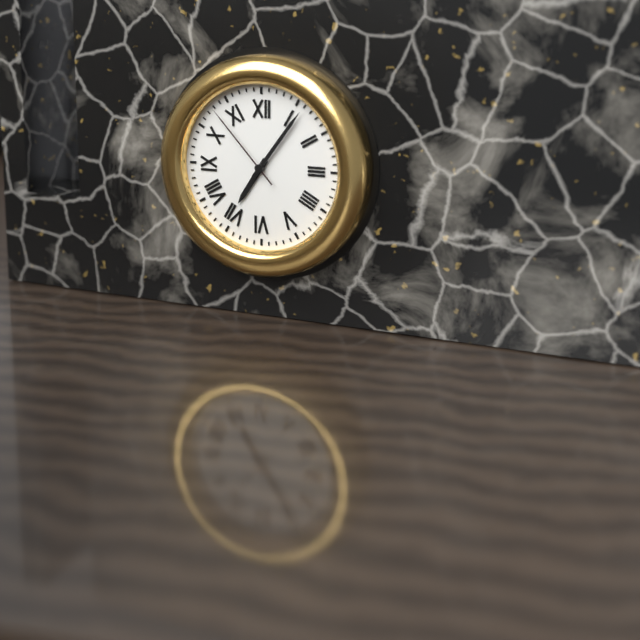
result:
7,06,53
